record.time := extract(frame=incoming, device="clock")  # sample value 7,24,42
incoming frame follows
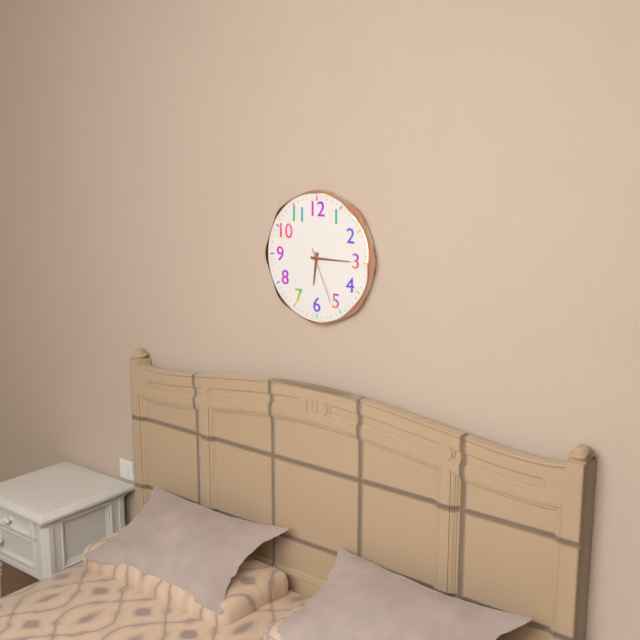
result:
6,15,26
